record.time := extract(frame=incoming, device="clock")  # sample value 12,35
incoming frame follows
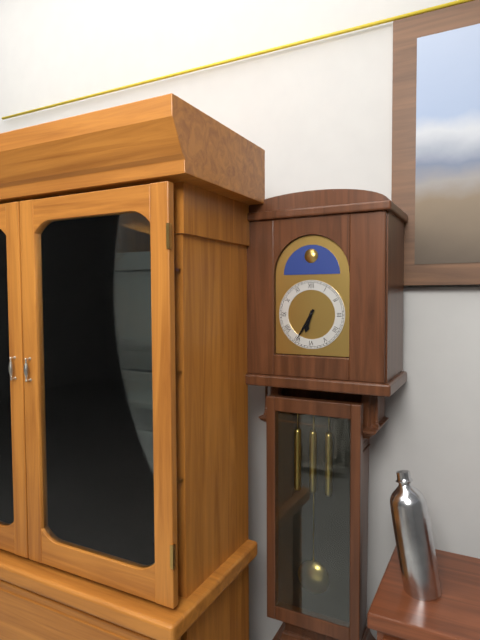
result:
6,35
